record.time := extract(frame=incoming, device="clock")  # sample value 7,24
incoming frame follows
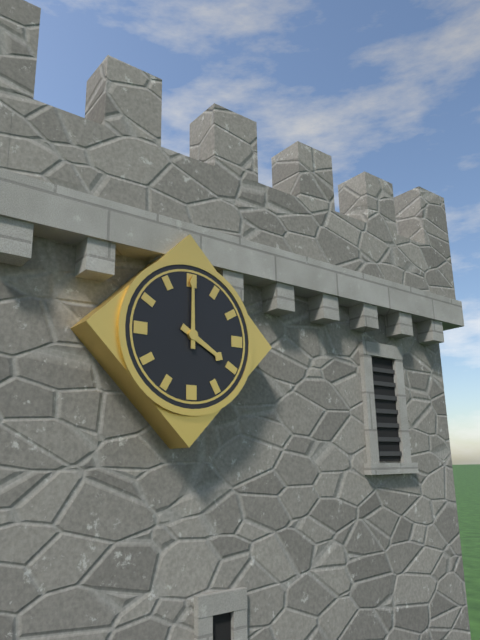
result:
4,00
